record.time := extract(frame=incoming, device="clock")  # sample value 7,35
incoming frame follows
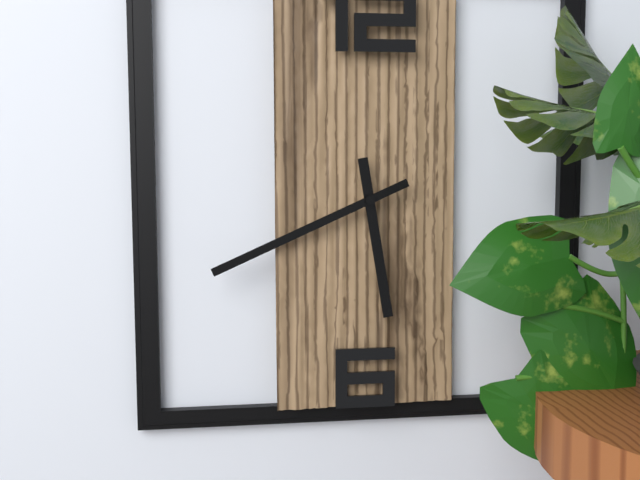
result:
5,41
